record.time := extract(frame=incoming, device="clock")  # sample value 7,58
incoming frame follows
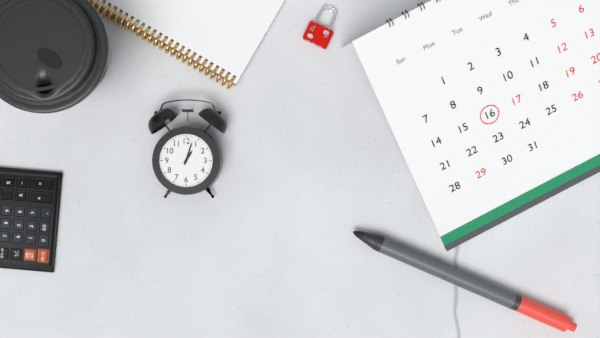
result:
1,03
